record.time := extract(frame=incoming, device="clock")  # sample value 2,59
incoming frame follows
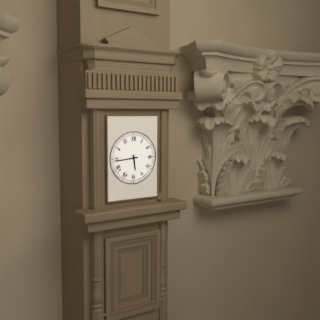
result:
5,44
